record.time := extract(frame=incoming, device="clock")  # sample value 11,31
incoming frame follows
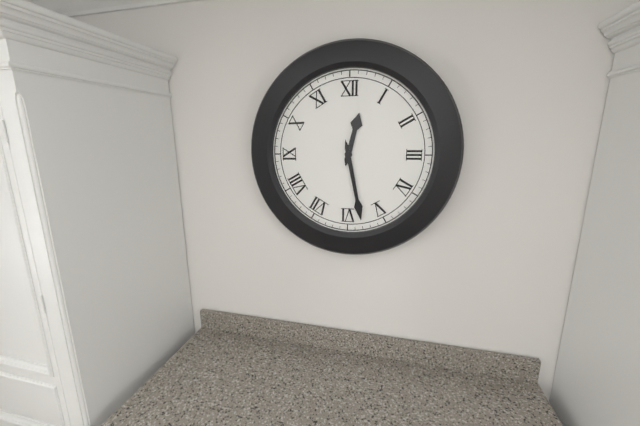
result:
12,28
